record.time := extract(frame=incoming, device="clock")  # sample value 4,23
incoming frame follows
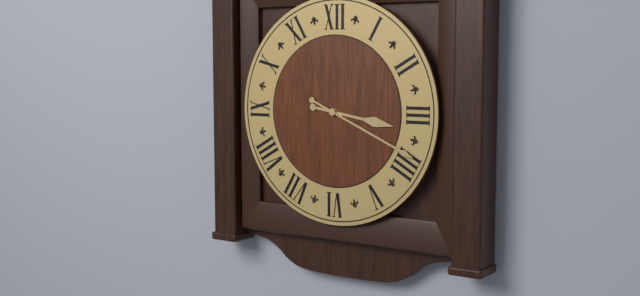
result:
3,19
